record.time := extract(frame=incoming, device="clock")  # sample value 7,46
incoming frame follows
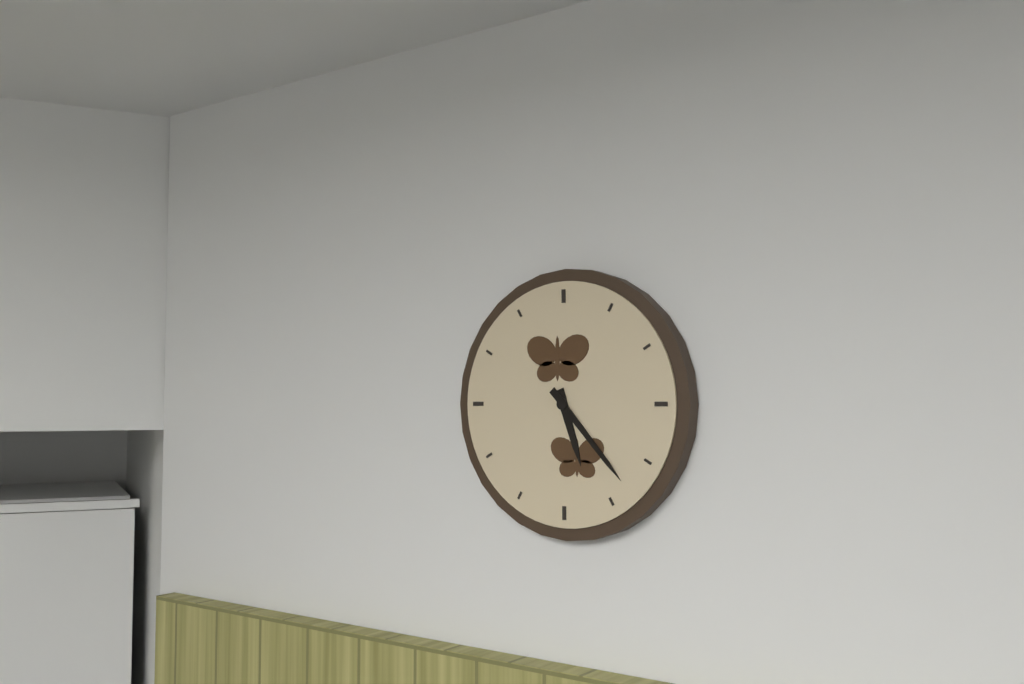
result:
5,23
